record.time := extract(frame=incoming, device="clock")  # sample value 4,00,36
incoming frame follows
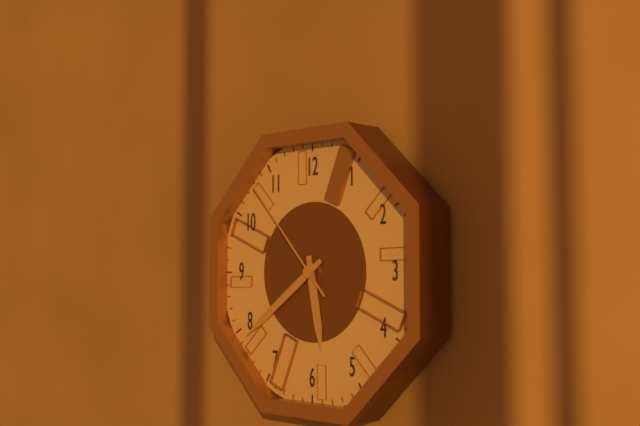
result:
5,39,53
